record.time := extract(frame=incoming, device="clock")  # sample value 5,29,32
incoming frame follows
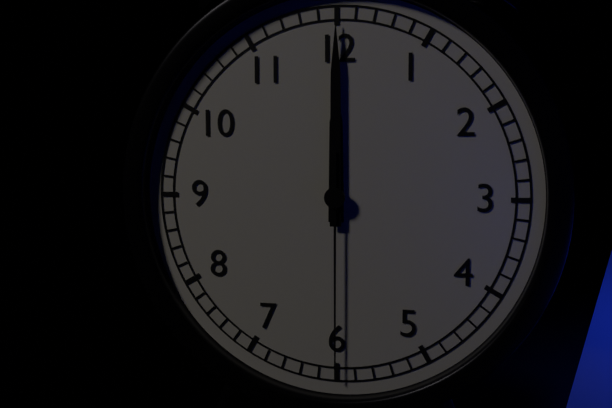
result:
12,00,30
